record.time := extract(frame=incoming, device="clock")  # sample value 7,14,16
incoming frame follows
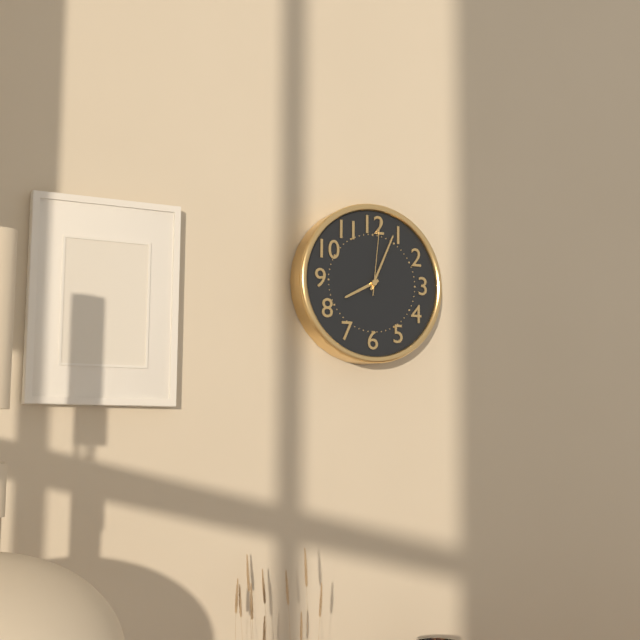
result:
8,04,01
